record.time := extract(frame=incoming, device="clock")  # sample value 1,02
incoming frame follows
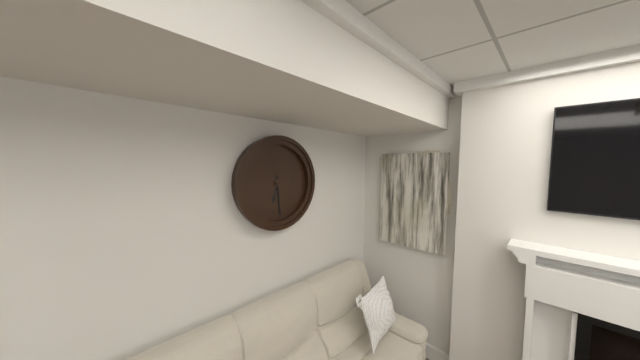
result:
6,29
